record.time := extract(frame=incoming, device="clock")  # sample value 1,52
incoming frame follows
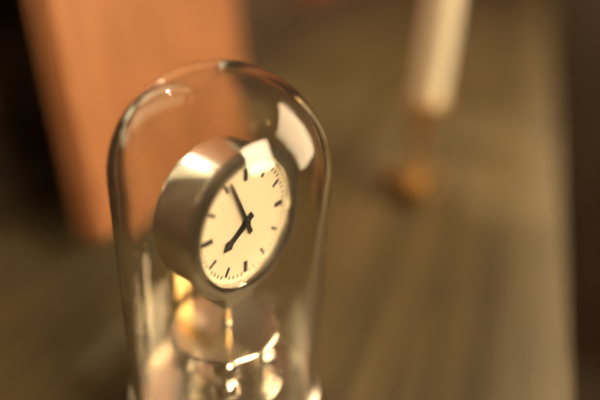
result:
7,56
